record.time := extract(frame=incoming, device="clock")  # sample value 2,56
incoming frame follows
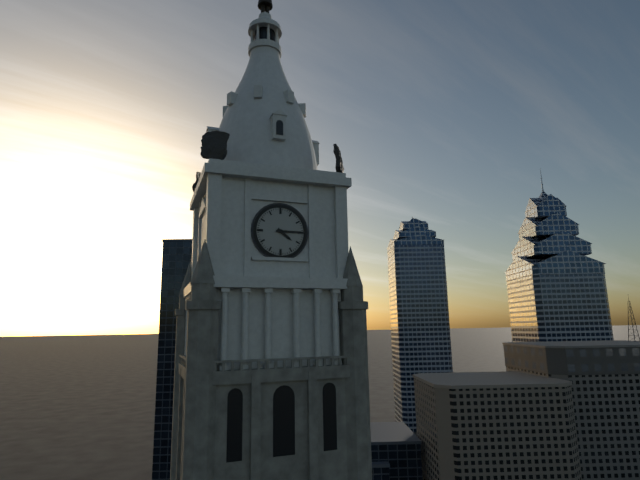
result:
4,15
